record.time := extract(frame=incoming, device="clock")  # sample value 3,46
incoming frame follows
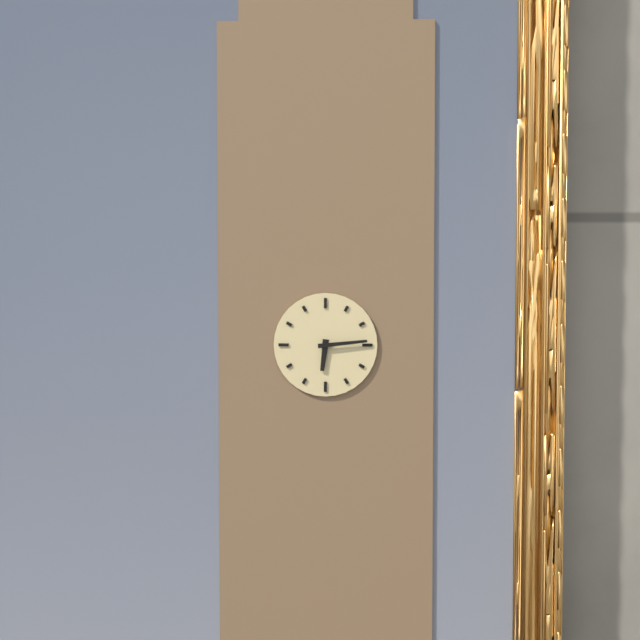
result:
6,14
